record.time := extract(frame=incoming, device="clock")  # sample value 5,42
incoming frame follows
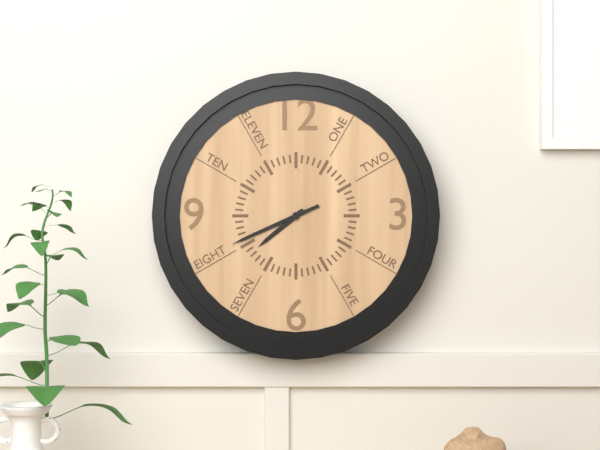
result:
7,41
